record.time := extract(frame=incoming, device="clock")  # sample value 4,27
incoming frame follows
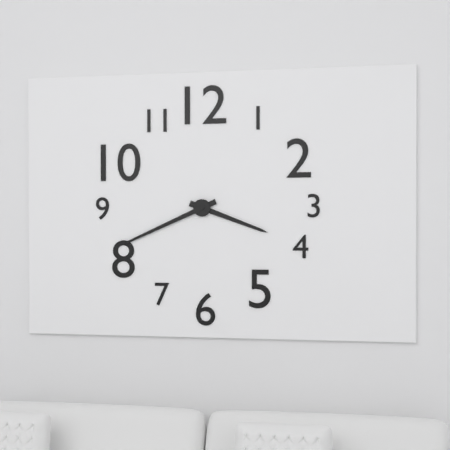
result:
3,41
